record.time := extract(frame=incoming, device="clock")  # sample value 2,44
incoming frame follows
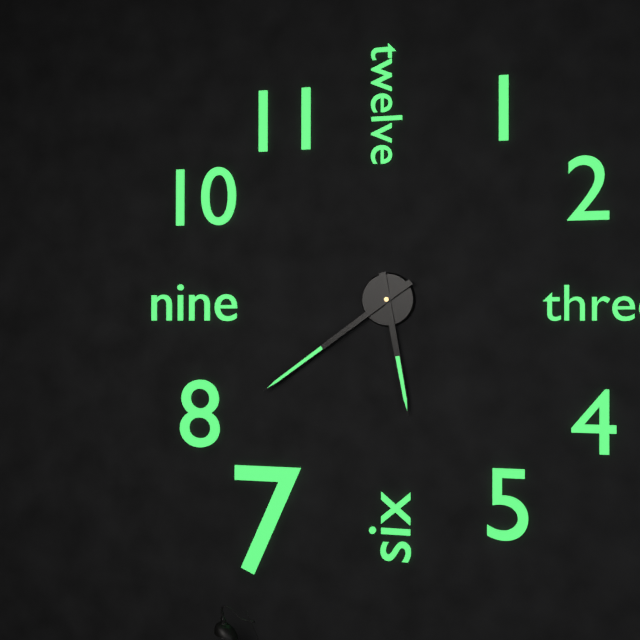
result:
5,39
